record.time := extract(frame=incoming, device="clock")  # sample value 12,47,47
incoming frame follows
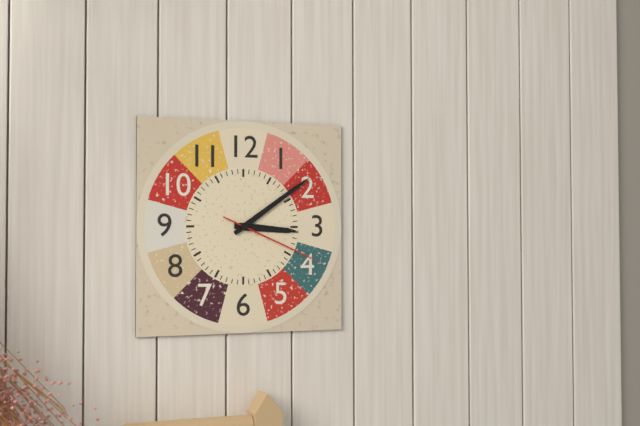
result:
3,09,19
